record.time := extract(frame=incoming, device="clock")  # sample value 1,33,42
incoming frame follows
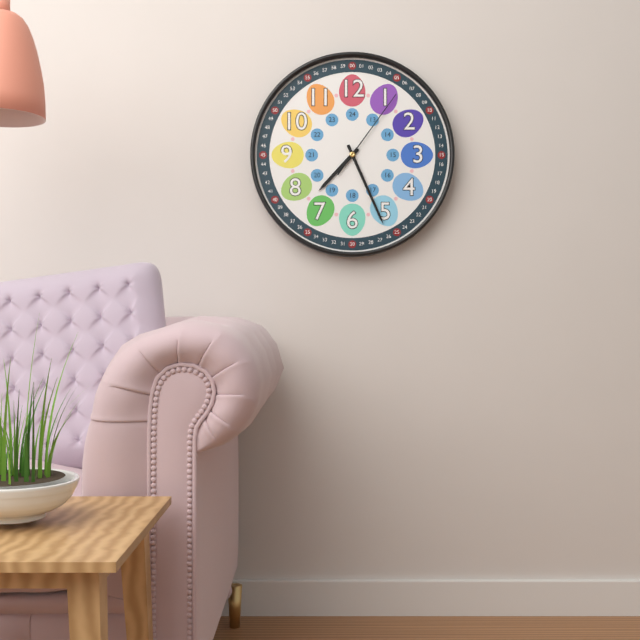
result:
7,26,06
